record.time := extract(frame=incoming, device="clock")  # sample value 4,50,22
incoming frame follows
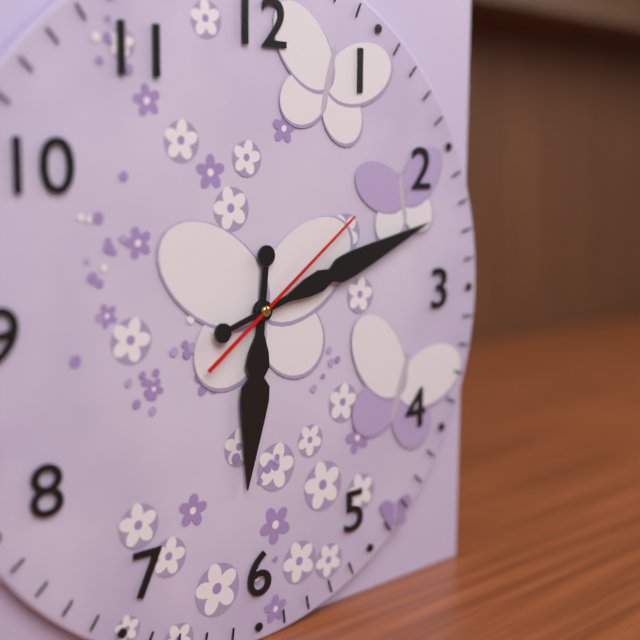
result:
6,12,09
